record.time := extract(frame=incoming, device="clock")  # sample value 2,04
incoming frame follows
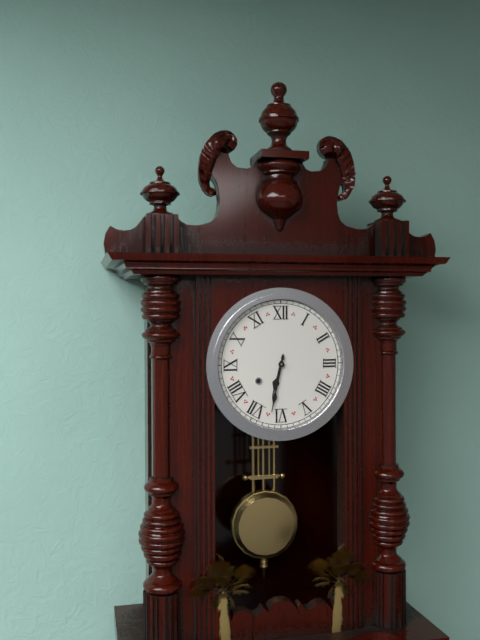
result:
6,32
